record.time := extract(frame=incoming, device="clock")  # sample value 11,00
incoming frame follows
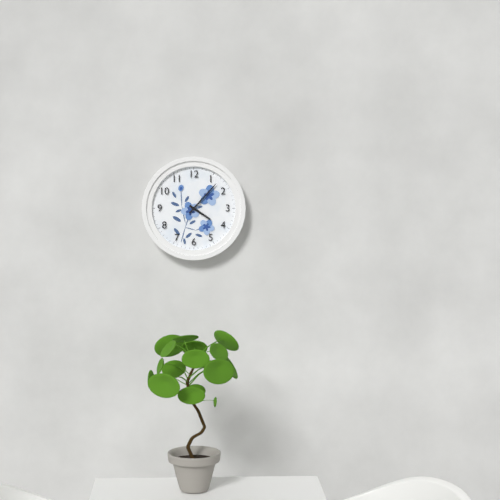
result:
4,07
